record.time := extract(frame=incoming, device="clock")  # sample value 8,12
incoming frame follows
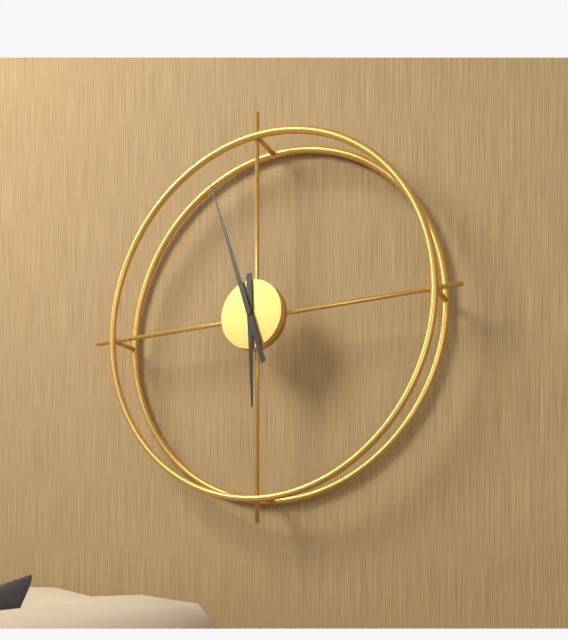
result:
5,57
